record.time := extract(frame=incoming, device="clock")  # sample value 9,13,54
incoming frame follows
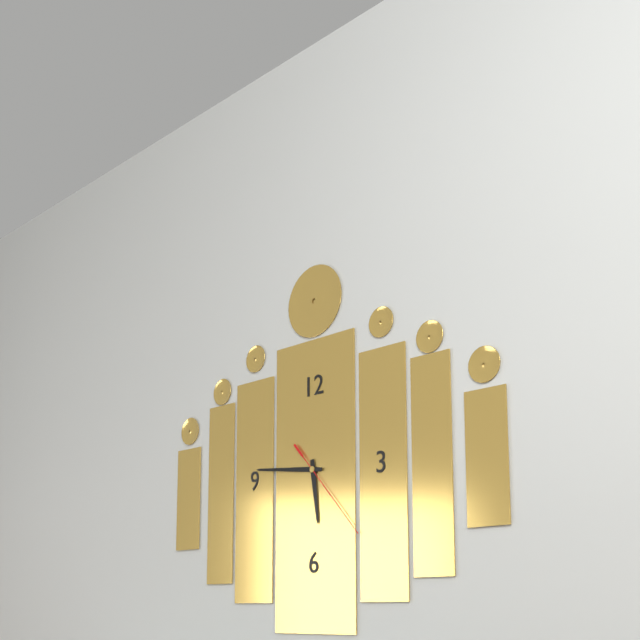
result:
5,46,23
